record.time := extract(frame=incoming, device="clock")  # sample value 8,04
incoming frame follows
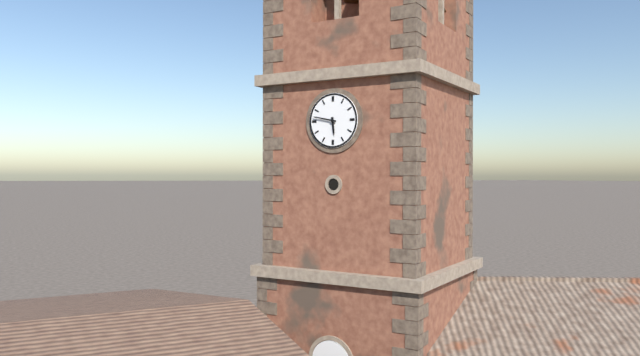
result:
5,47
